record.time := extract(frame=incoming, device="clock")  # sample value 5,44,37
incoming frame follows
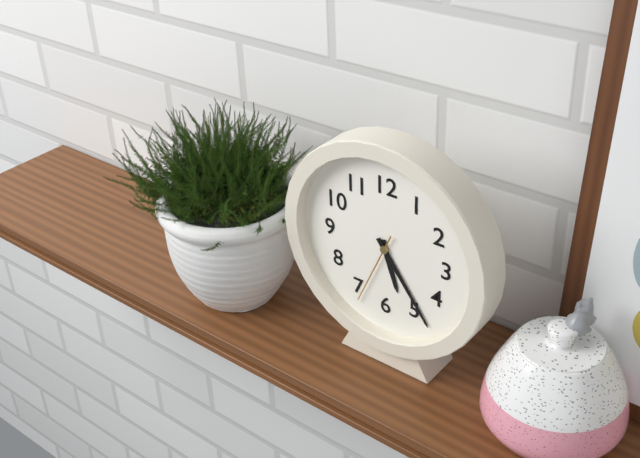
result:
5,24,34
